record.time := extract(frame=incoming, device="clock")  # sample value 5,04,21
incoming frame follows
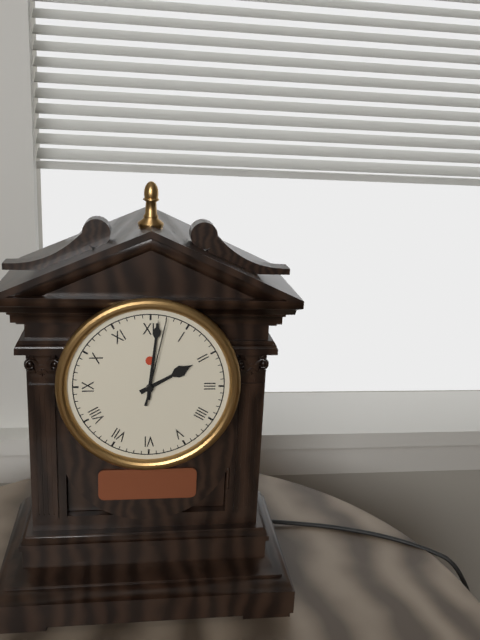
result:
2,01,02
